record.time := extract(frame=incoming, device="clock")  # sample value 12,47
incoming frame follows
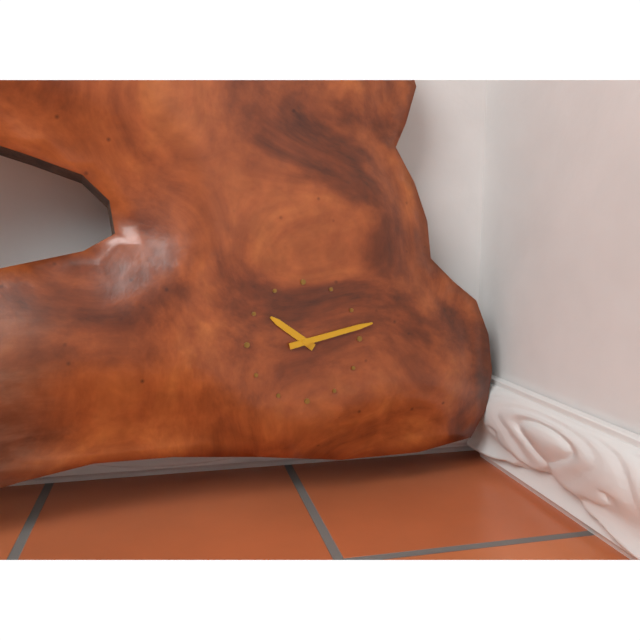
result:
10,13
